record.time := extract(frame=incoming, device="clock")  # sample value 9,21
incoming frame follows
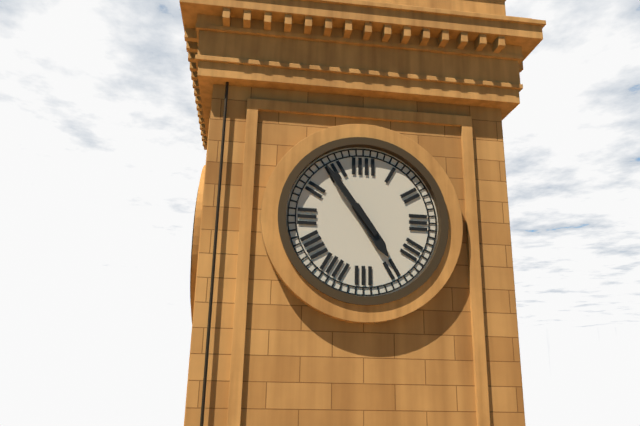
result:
4,54
